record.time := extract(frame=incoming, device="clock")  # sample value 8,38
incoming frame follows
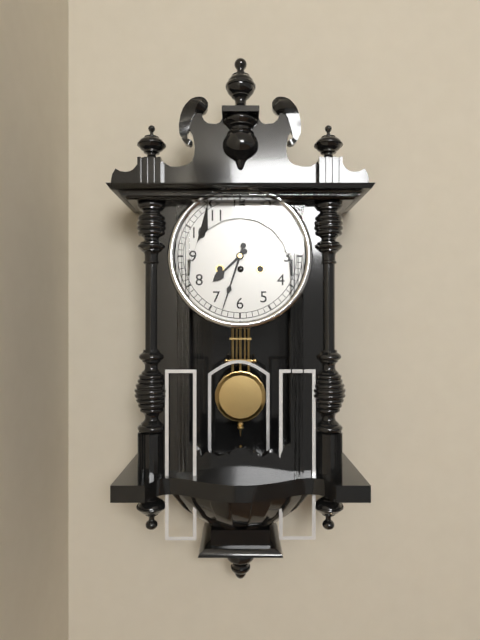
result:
7,33
